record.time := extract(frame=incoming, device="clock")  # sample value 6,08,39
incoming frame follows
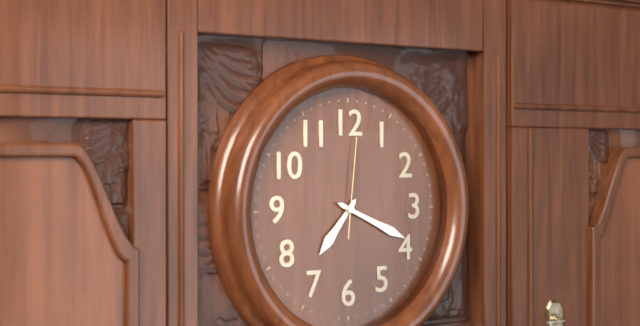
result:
7,19,01
